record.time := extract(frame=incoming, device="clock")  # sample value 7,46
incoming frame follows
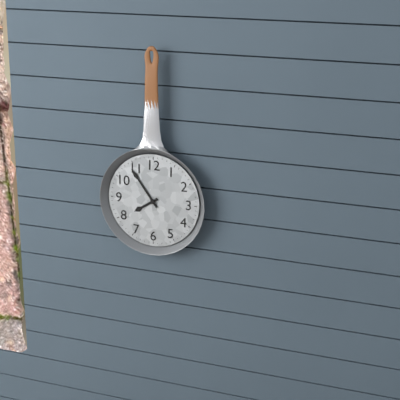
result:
7,54
